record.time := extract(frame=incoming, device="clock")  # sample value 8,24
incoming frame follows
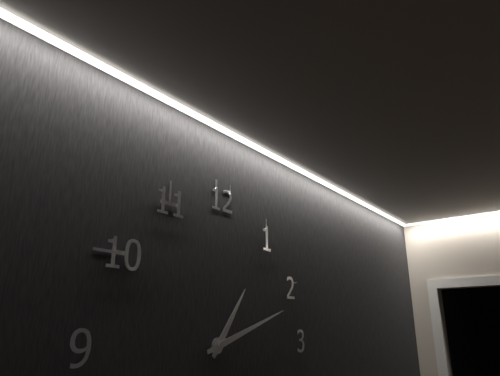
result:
1,12
